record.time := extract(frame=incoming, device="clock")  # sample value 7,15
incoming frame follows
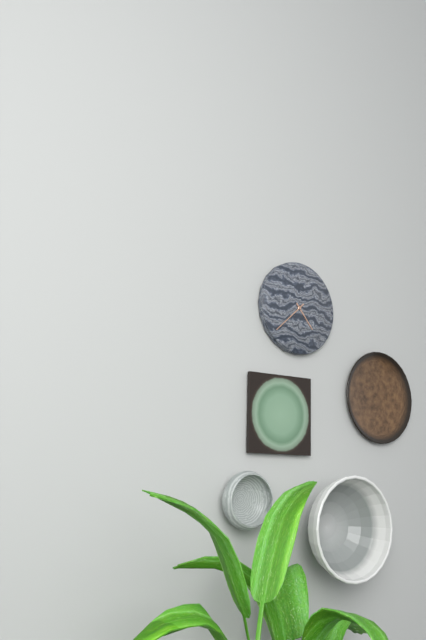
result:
4,38
